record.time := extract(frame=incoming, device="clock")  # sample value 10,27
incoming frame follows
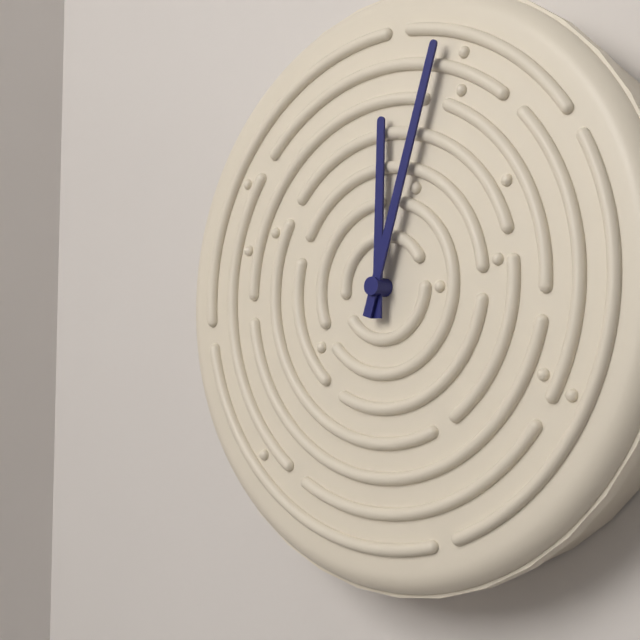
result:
12,03
